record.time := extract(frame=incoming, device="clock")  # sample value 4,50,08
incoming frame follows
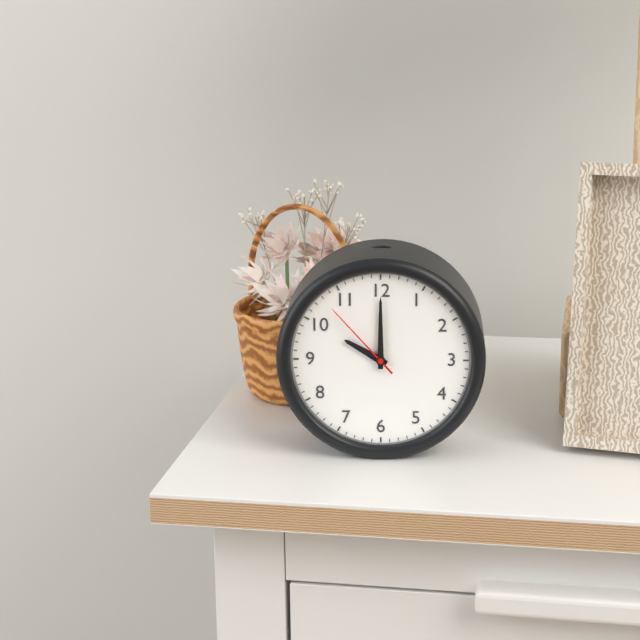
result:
10,00,53
